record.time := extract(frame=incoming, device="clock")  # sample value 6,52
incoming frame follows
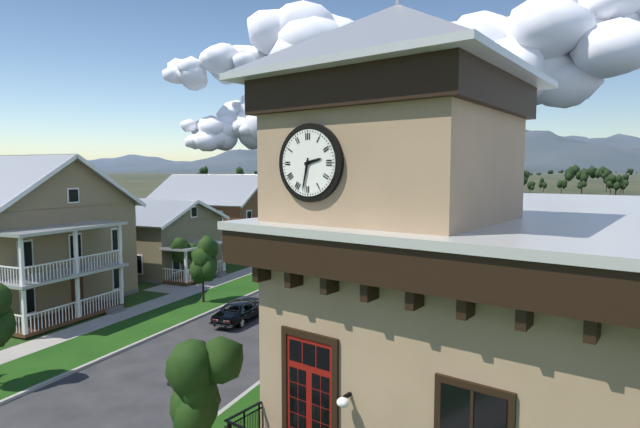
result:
2,32
